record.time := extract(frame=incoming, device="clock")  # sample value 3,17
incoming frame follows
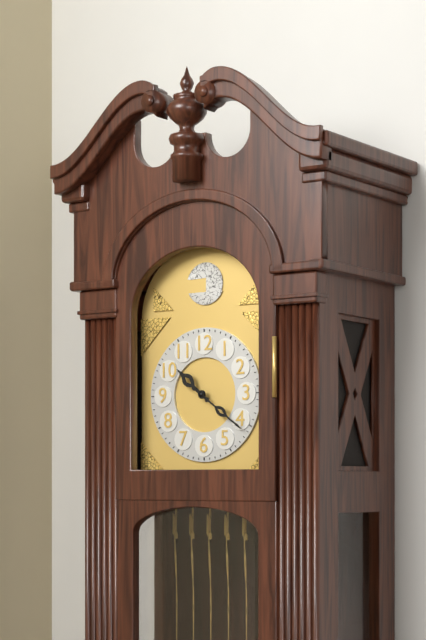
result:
10,21
